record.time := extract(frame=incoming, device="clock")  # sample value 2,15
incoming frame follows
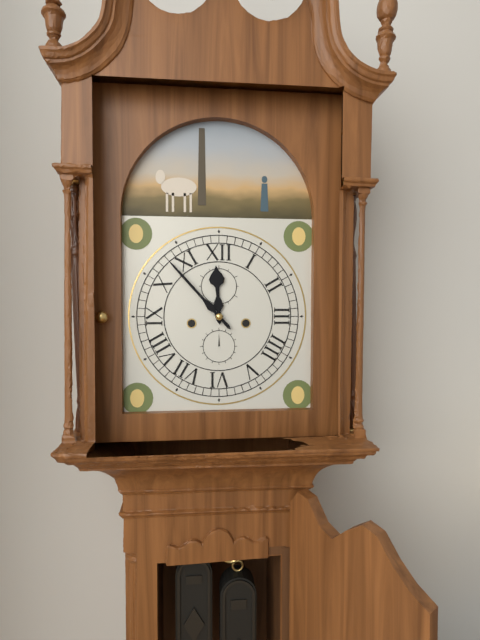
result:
11,53
